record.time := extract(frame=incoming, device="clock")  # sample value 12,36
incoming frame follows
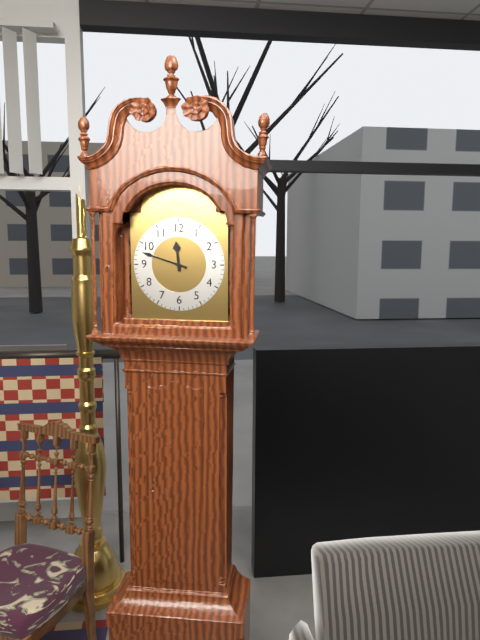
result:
11,48
